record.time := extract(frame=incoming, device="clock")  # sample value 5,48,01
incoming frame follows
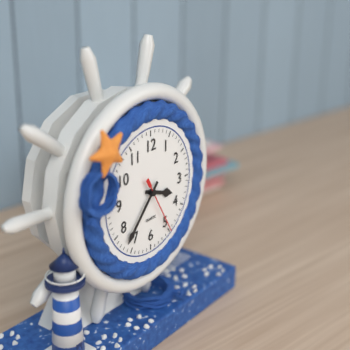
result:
3,37,25
